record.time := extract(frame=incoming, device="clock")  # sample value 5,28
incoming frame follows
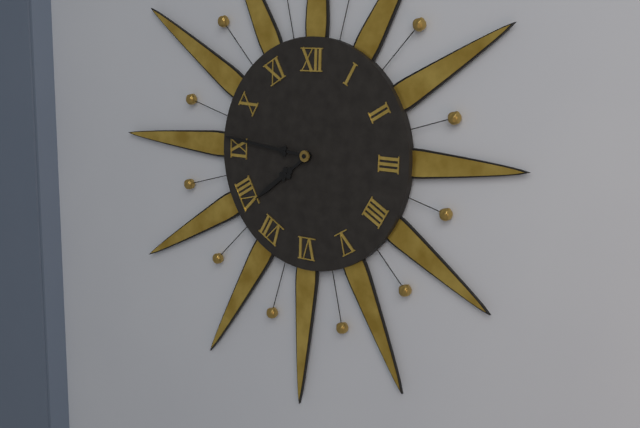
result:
7,46
